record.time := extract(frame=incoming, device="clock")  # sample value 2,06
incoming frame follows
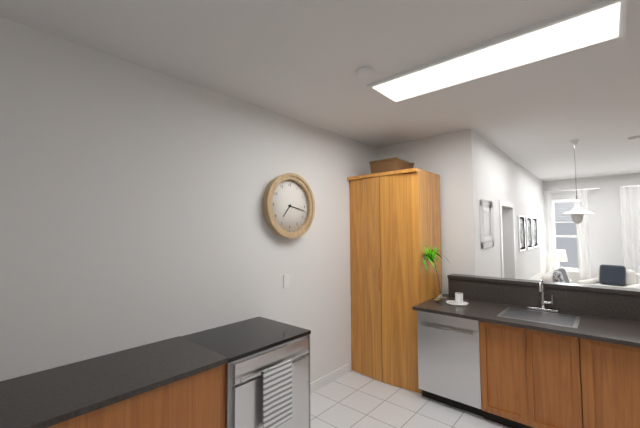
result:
7,17
